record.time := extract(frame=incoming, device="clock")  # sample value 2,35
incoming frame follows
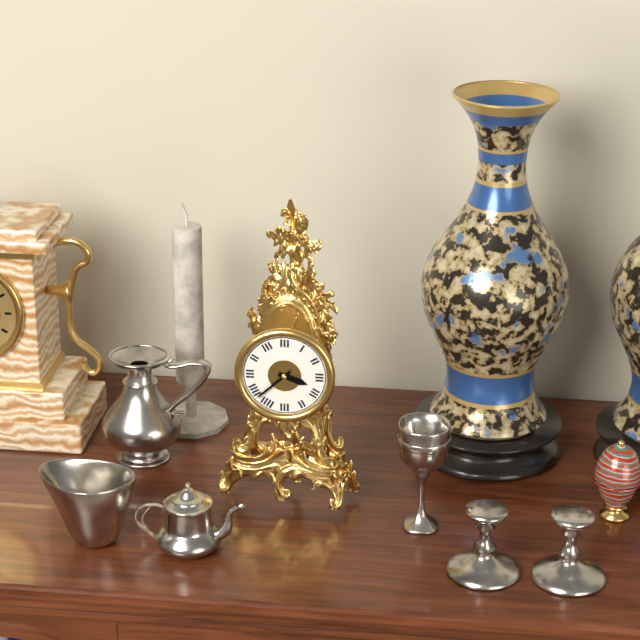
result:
3,38
